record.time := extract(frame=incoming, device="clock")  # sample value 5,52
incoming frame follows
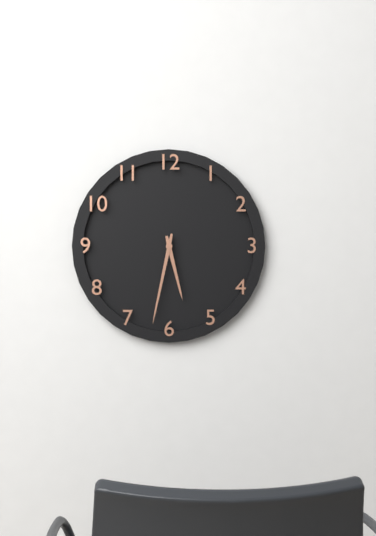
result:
5,32
